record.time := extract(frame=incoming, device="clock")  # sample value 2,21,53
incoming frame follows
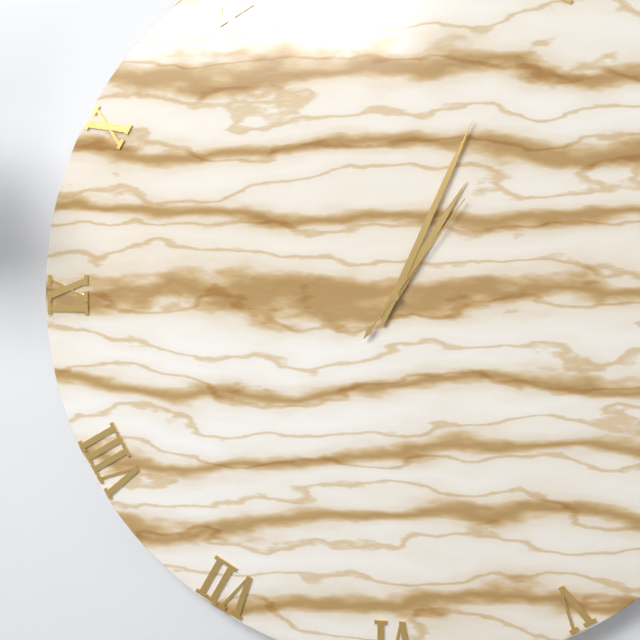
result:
1,04,06
